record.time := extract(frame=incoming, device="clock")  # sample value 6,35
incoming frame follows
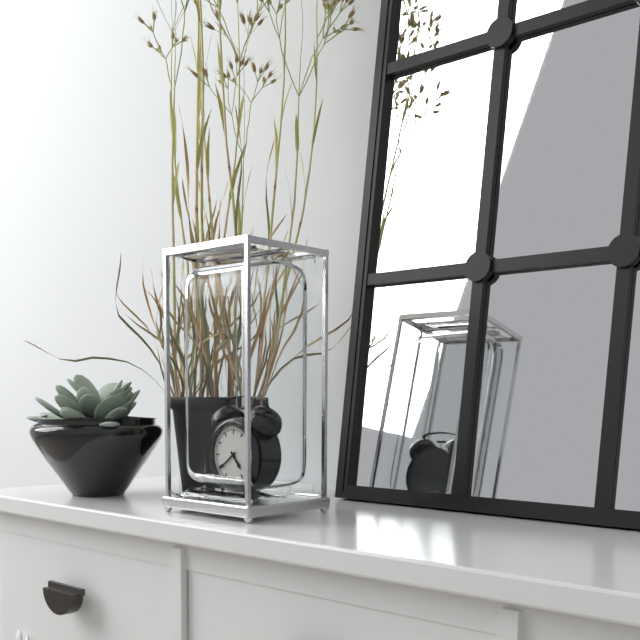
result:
4,39
